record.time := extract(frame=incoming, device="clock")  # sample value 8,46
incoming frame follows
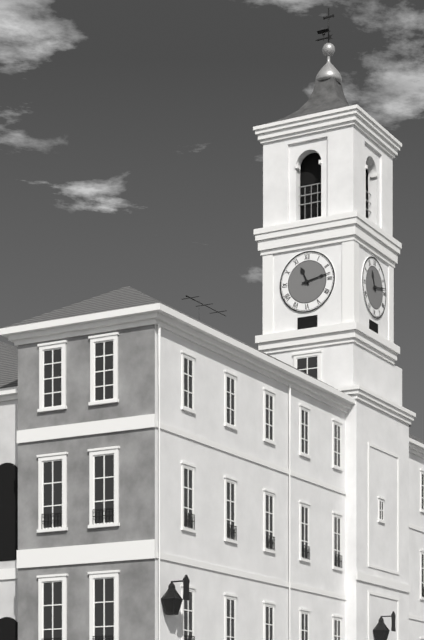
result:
11,13
